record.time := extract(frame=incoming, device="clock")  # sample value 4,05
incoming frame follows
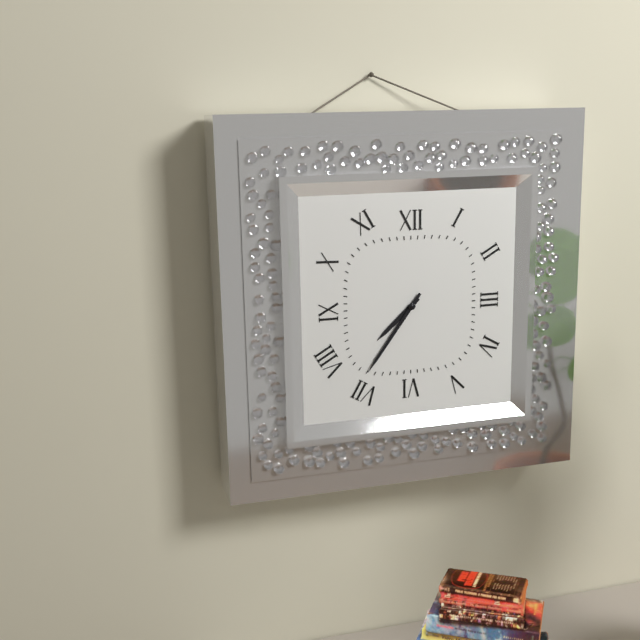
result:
7,36
